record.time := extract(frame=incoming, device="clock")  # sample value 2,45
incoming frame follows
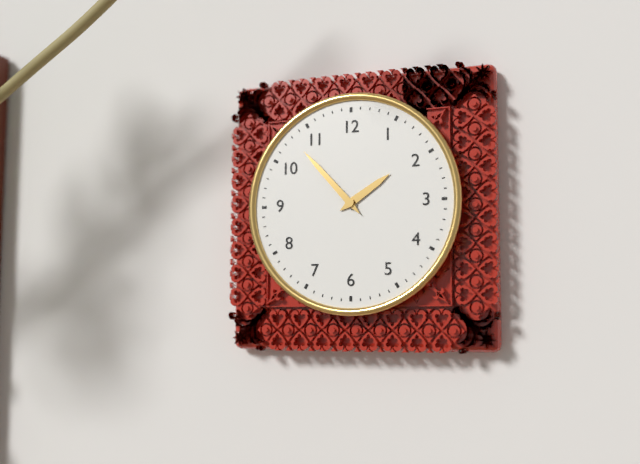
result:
1,53
